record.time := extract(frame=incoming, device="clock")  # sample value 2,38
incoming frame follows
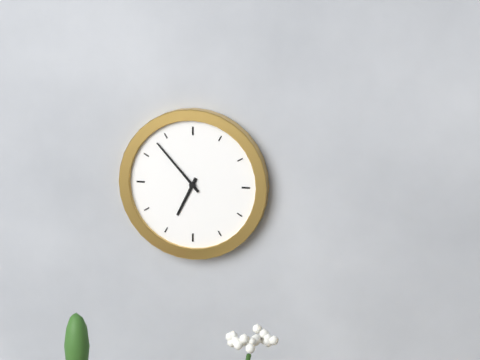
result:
6,53
